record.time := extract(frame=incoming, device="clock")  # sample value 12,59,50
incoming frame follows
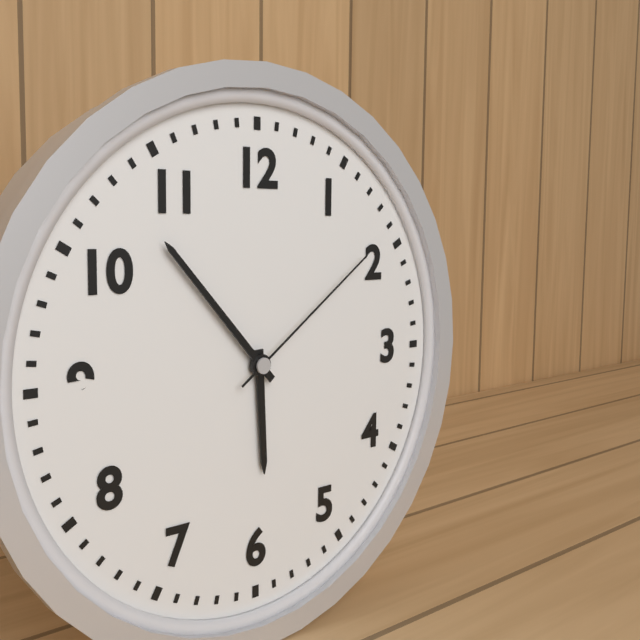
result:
5,53,09
